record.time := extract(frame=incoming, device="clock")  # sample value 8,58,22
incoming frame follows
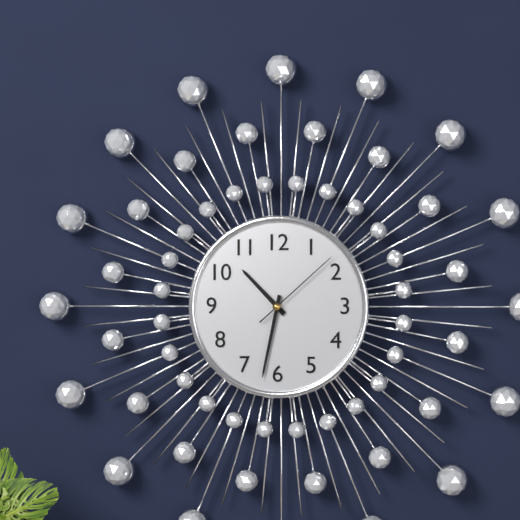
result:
10,32,08
